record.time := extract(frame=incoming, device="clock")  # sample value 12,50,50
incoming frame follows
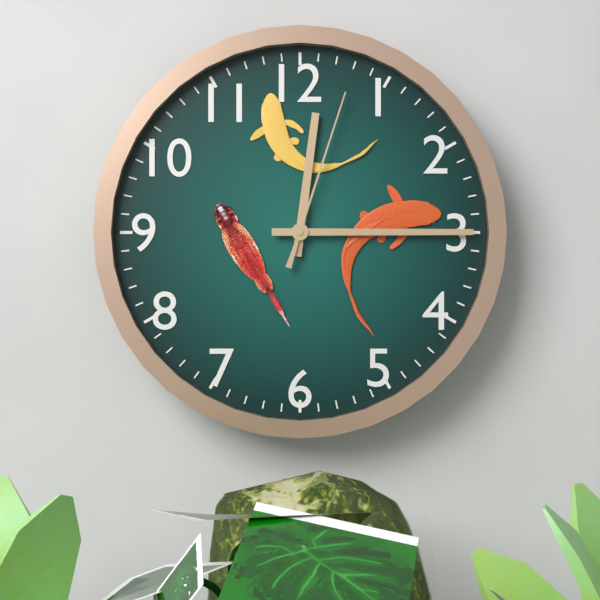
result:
12,15,03
